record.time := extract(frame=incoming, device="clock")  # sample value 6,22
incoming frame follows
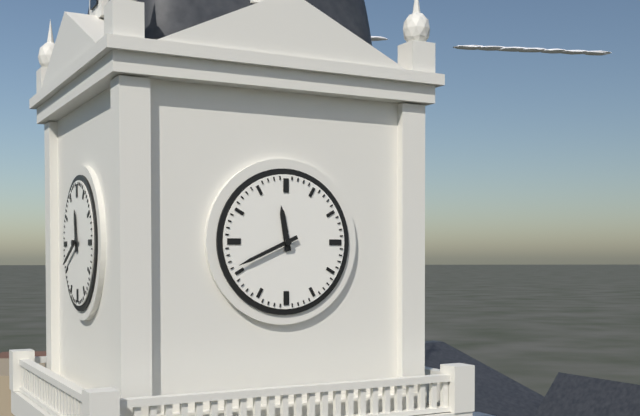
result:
11,41
